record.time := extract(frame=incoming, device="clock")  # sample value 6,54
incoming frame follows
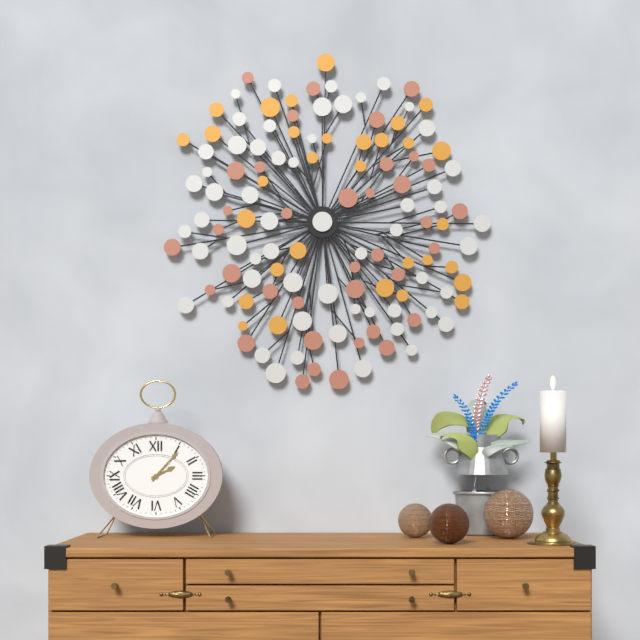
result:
2,07
